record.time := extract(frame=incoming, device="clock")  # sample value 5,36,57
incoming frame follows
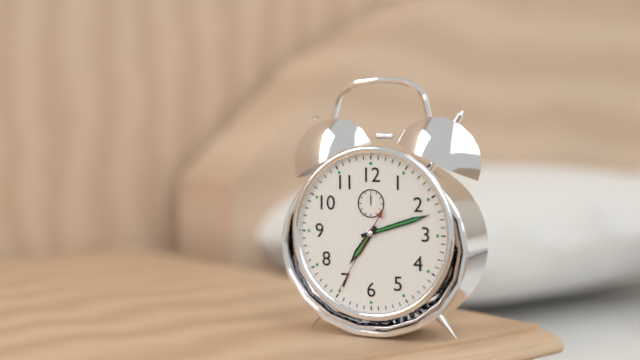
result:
7,12,35
